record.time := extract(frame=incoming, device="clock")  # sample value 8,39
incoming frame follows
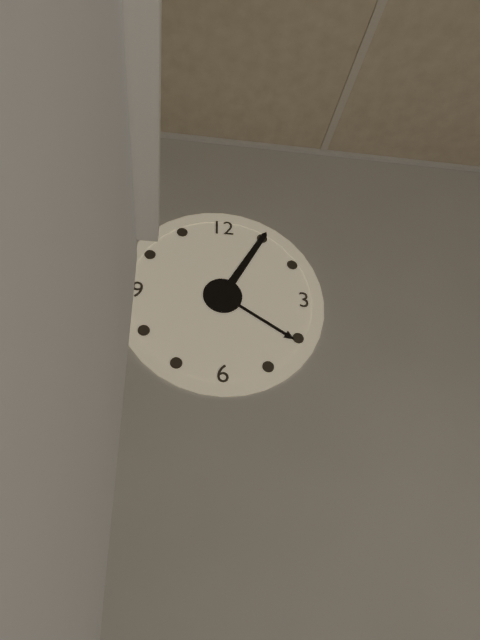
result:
4,05
